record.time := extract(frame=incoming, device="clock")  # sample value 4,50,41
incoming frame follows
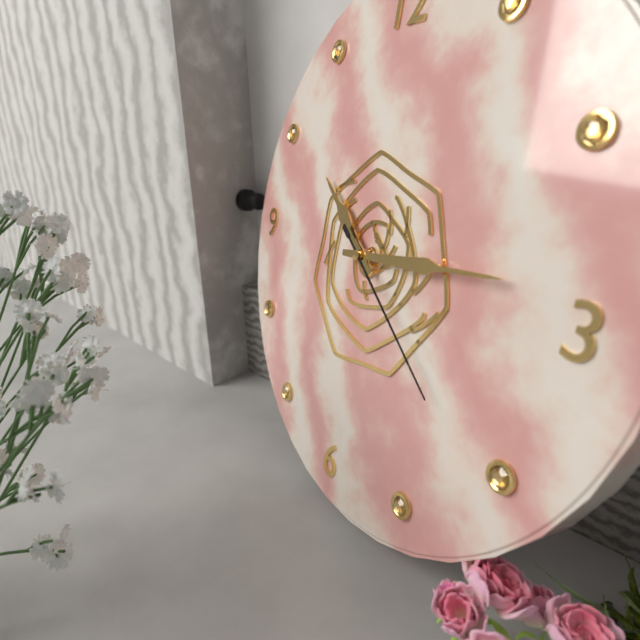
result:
10,14,21
